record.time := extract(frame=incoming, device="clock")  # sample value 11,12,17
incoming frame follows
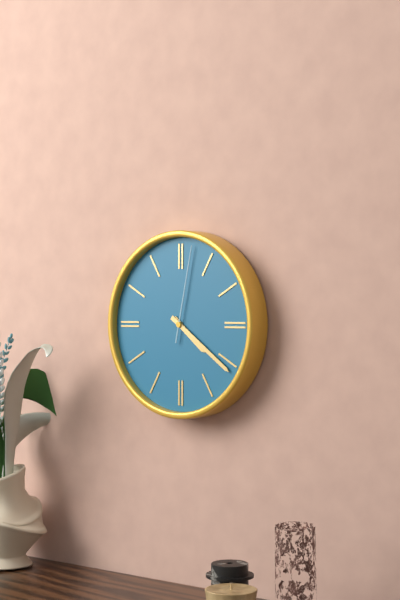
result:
4,21,02
